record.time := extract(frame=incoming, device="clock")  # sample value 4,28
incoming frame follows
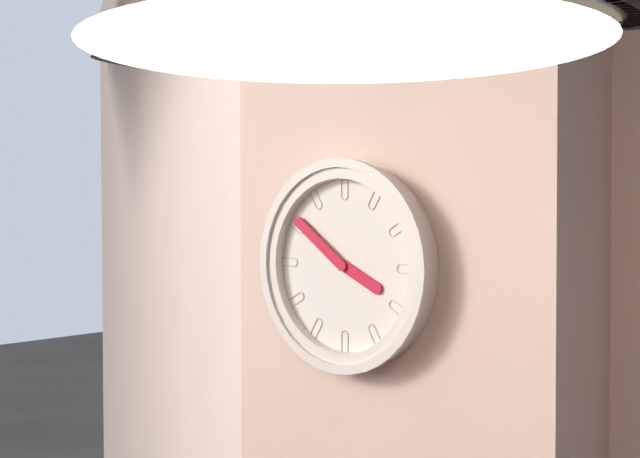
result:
3,51
